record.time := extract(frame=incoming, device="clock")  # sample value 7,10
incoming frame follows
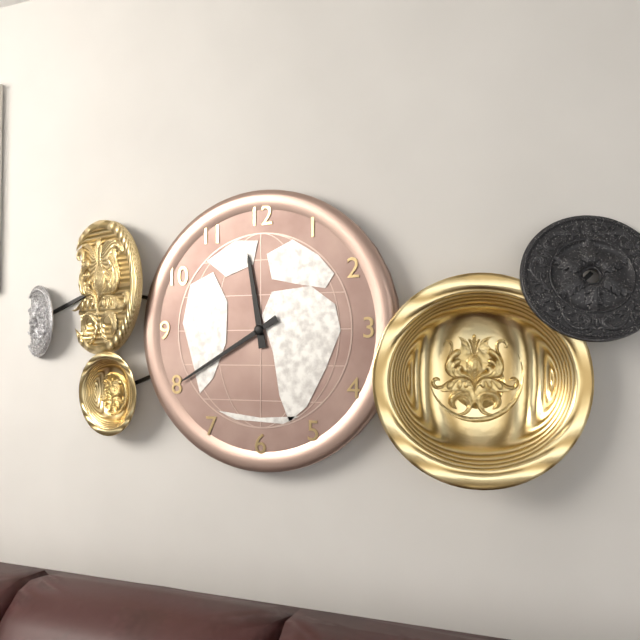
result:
11,40
